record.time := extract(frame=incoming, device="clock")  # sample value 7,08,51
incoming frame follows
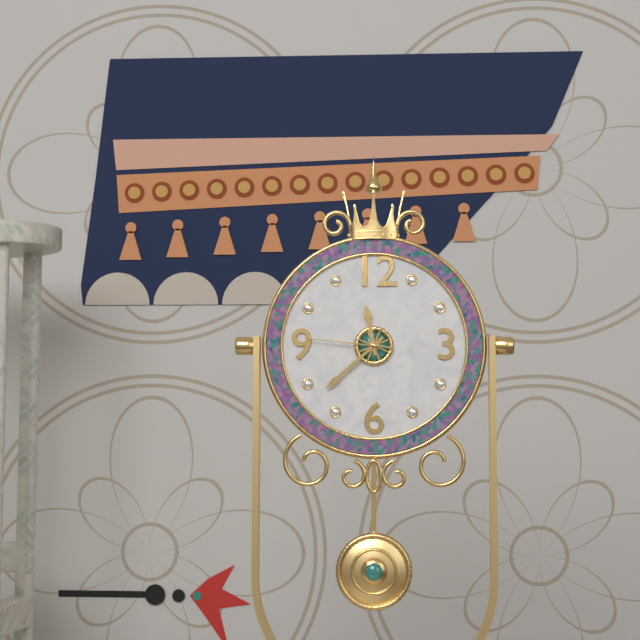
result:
11,38,46
